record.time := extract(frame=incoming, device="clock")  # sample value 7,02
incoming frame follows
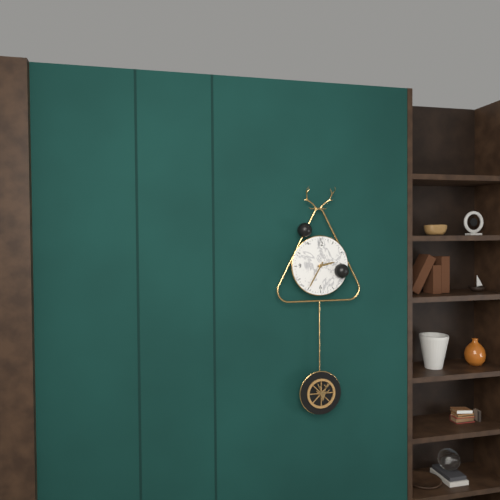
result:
2,35
